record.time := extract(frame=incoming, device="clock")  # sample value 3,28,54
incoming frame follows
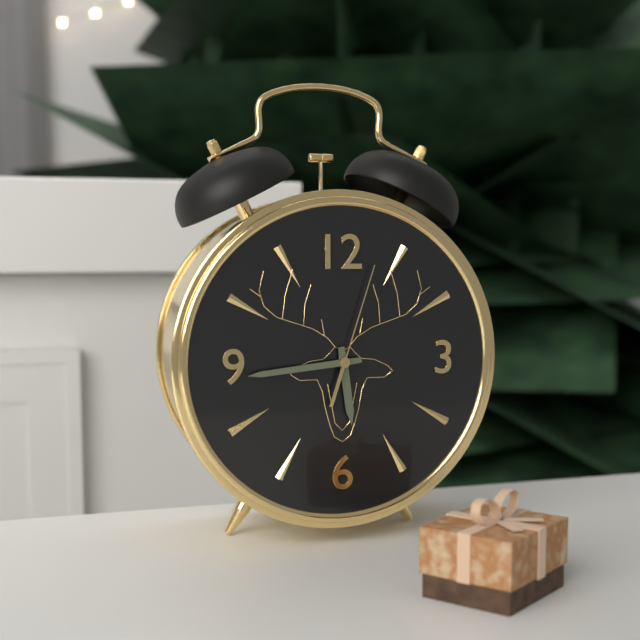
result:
5,44,03
